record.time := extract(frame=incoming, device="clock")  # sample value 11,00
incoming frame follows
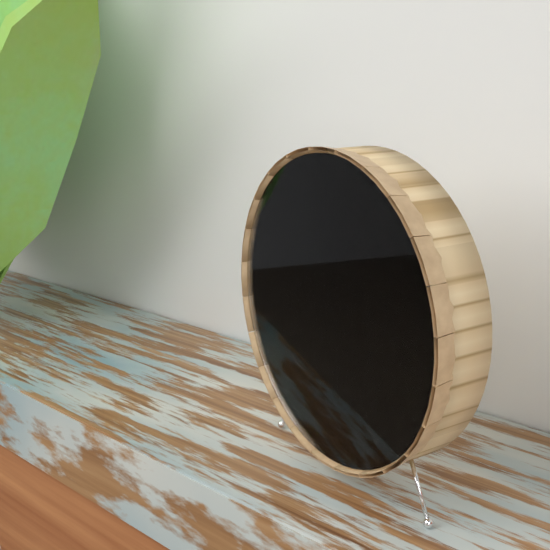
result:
9,48
